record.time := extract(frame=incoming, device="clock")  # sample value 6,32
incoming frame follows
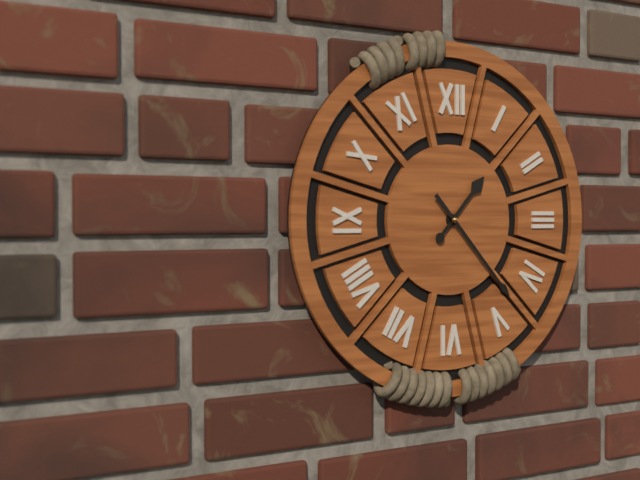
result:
1,23
